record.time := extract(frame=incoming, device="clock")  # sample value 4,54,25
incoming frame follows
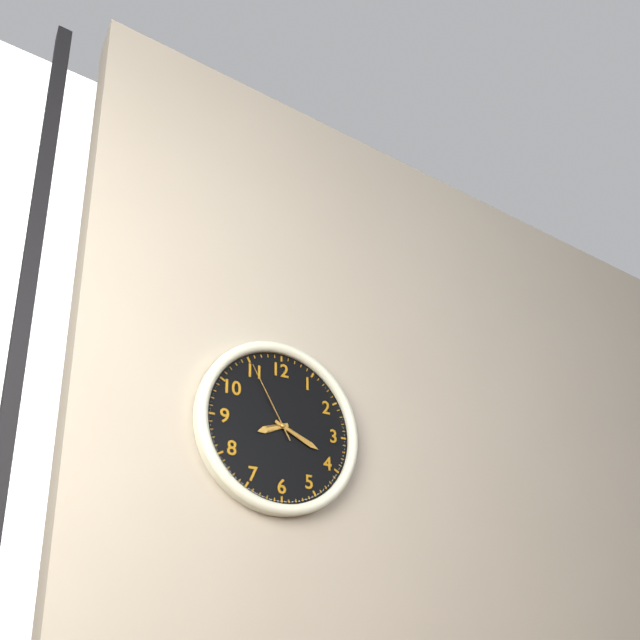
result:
8,19,55
